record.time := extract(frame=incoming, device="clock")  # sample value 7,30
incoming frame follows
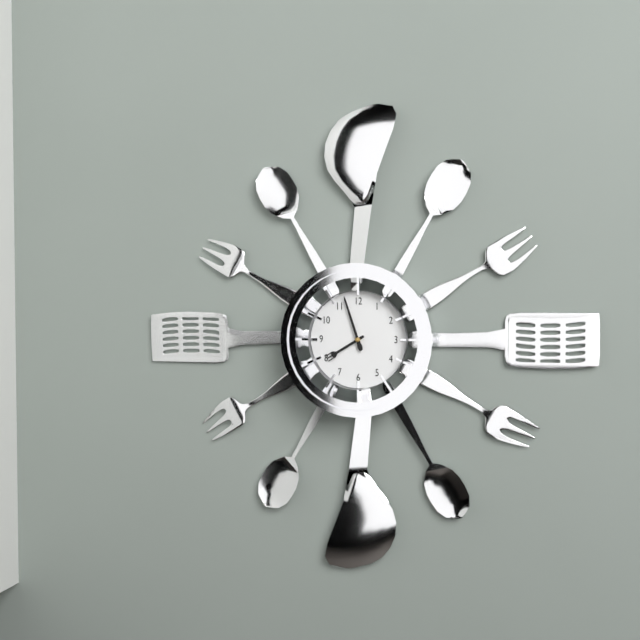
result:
7,57
